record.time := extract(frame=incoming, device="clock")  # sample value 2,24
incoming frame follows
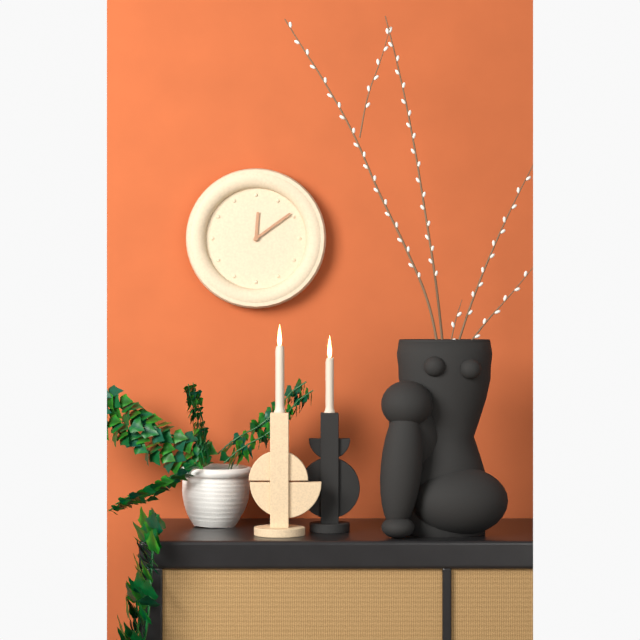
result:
12,09
